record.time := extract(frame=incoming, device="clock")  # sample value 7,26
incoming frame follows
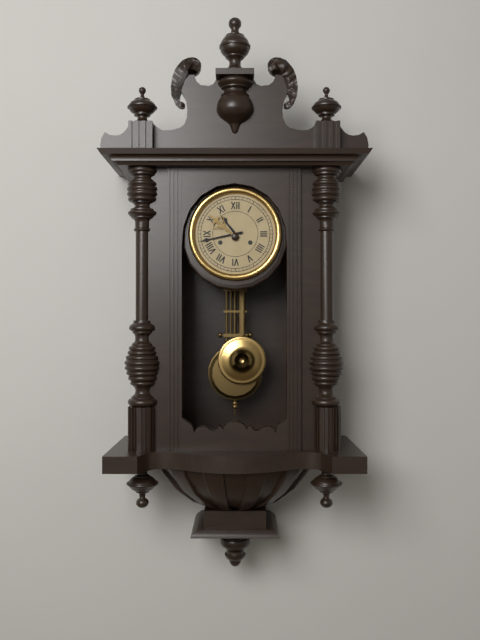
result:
10,43
